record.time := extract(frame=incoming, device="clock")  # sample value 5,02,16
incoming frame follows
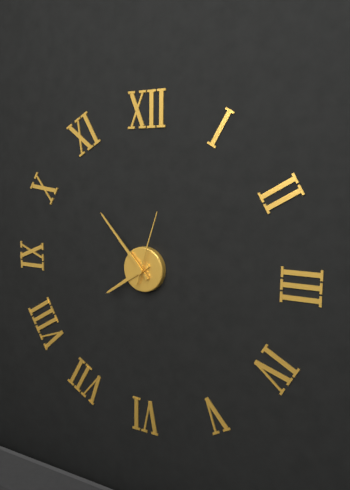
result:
7,53,03
